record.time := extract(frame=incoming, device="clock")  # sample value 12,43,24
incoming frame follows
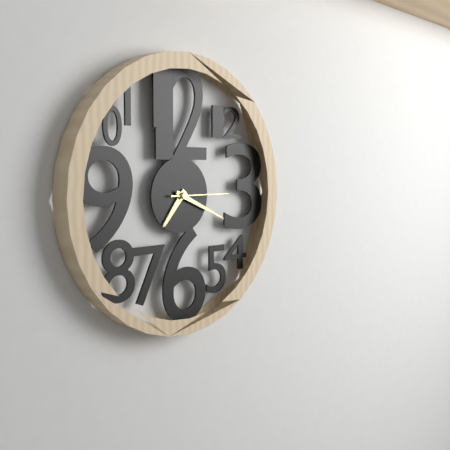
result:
7,19,15
